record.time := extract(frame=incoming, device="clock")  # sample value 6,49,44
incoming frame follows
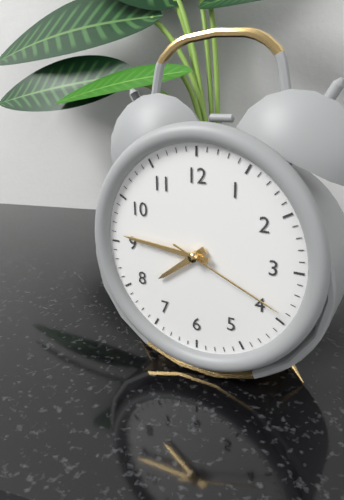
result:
7,46,19
